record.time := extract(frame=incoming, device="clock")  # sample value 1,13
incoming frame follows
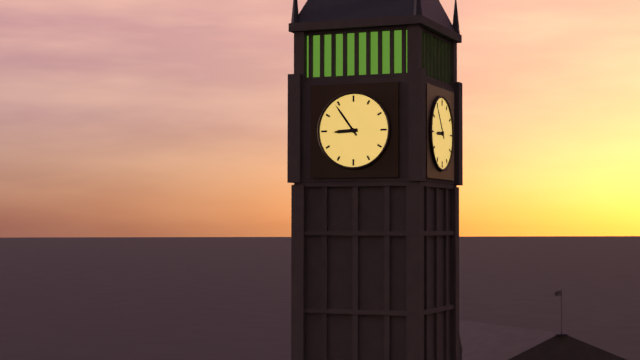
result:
8,54
